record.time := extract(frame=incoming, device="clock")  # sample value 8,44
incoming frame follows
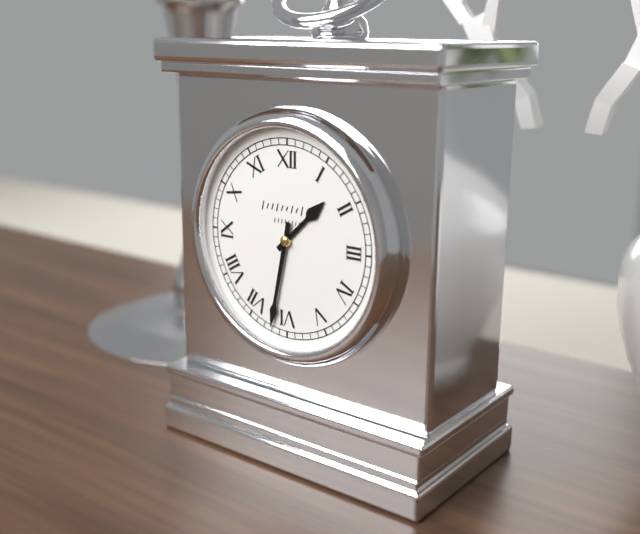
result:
1,32
